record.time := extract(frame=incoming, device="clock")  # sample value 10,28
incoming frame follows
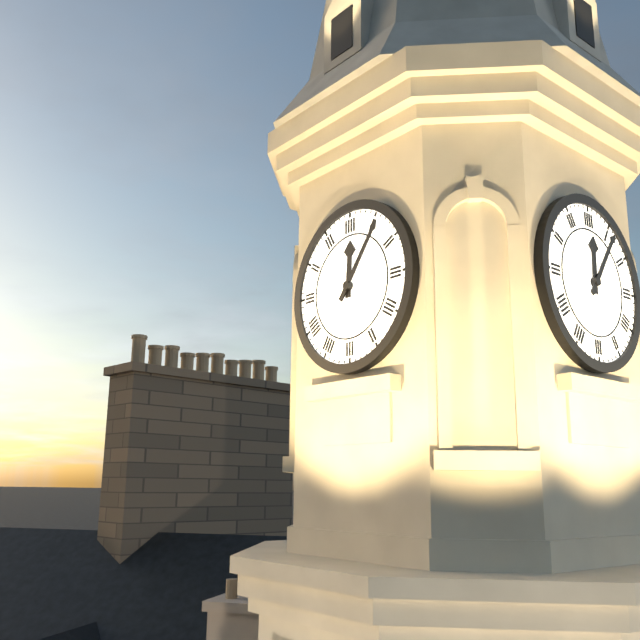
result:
12,06
